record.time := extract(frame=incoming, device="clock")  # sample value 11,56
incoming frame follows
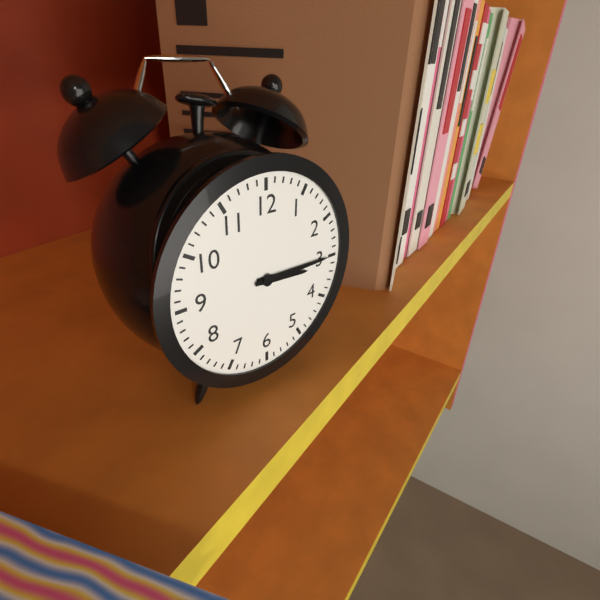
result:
3,15
